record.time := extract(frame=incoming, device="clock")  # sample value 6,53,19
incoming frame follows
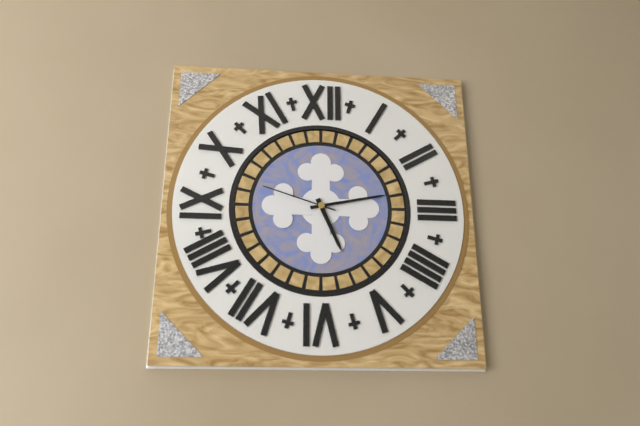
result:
5,13,48
